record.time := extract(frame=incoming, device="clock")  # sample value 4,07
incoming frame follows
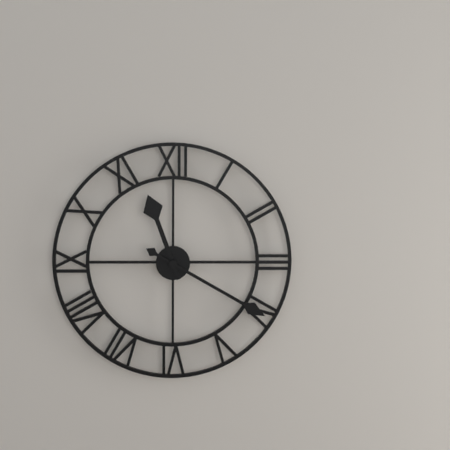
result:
11,20
